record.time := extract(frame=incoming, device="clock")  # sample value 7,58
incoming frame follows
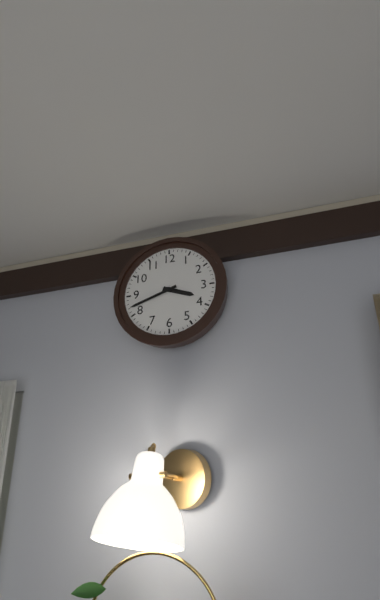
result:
3,42
